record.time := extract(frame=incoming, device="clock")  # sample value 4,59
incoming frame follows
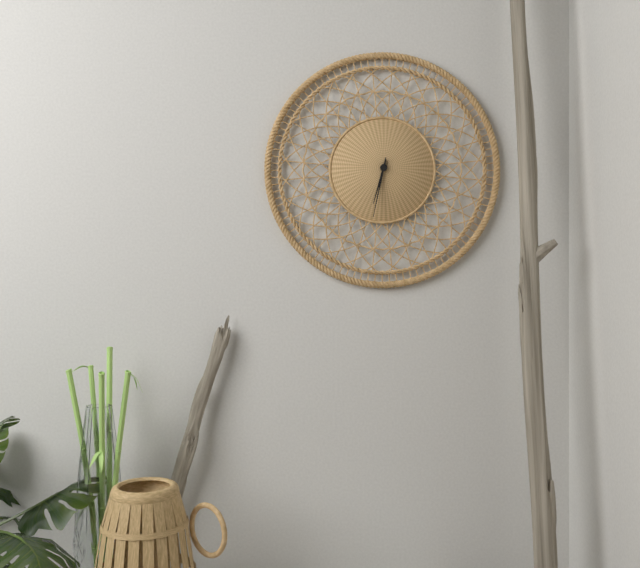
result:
6,32
